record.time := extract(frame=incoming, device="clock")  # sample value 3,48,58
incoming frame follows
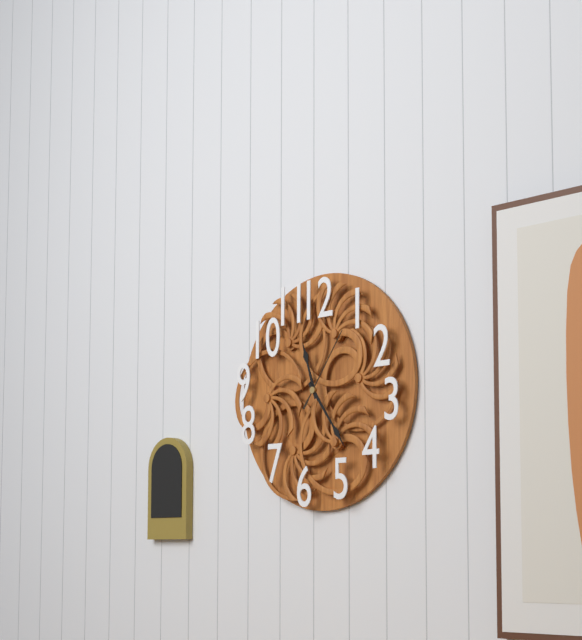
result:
11,24,06
